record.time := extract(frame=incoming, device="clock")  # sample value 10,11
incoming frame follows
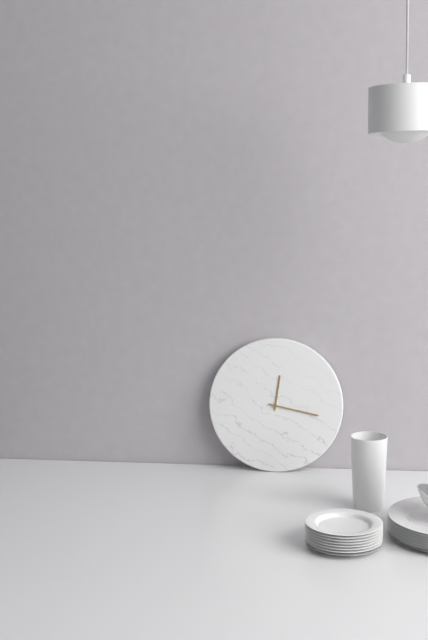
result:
12,17
